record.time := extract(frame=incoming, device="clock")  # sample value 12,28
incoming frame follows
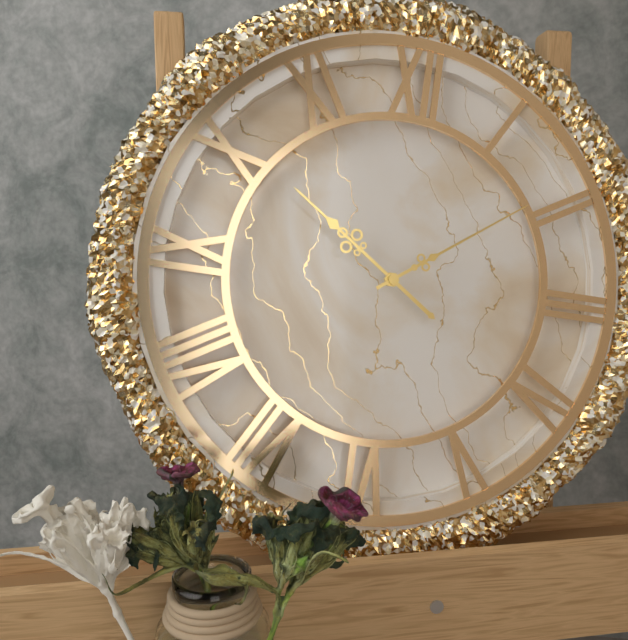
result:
10,09
